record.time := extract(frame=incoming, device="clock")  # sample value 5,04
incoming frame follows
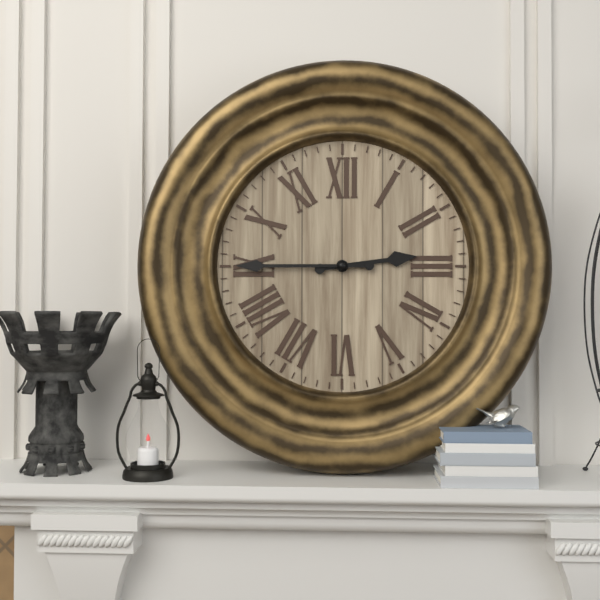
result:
2,45
